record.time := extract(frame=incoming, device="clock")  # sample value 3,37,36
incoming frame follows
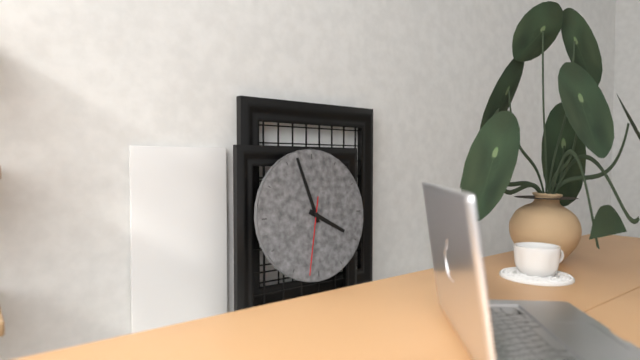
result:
3,57,32
